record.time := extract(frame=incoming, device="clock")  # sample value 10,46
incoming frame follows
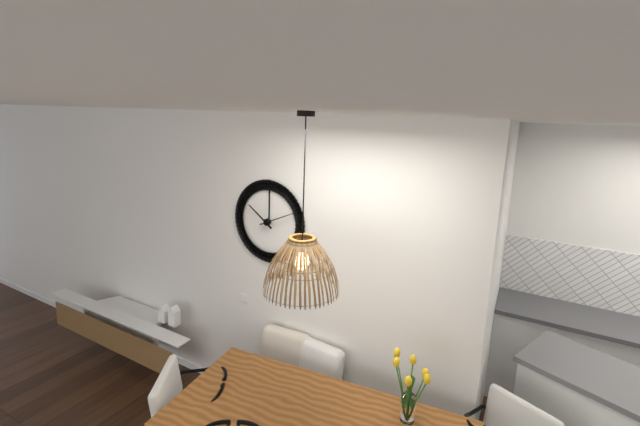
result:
10,11
